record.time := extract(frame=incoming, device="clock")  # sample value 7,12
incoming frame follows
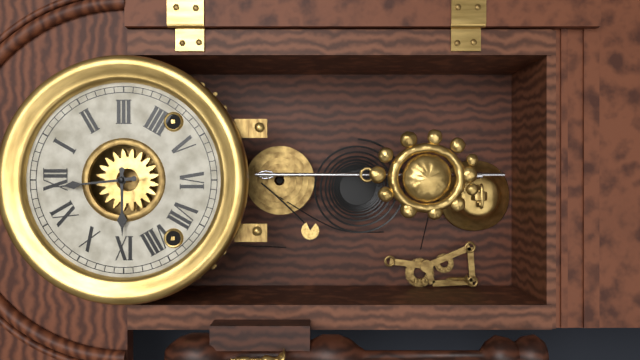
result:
8,59
